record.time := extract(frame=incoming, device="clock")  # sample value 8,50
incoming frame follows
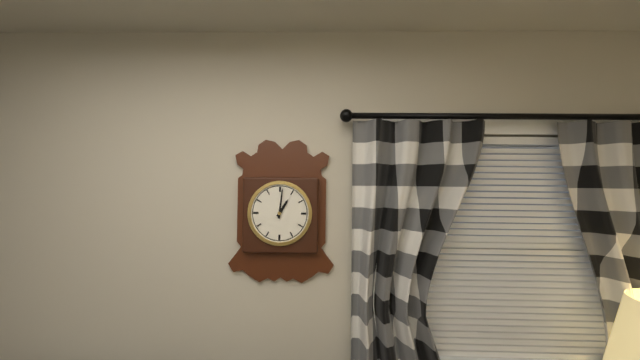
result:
1,01
